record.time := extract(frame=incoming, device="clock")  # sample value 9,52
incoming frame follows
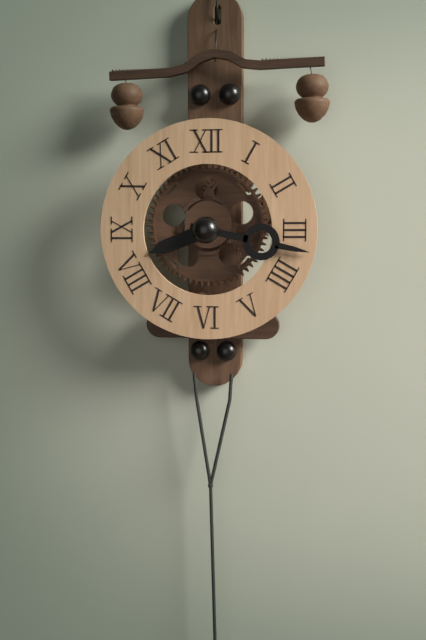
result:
8,17
